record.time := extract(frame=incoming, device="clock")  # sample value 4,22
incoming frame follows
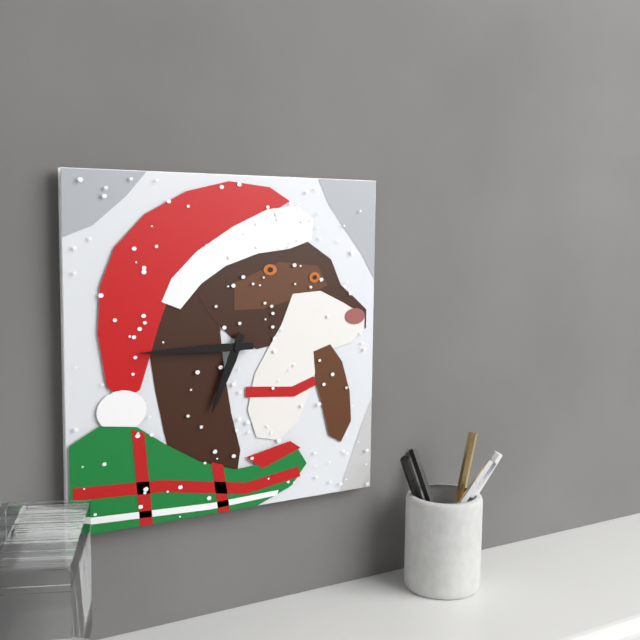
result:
6,45
